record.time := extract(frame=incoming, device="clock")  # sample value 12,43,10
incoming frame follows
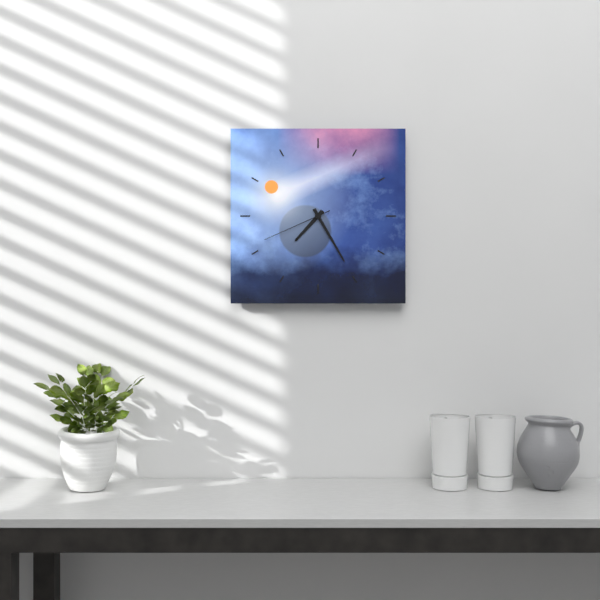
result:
7,25,41
